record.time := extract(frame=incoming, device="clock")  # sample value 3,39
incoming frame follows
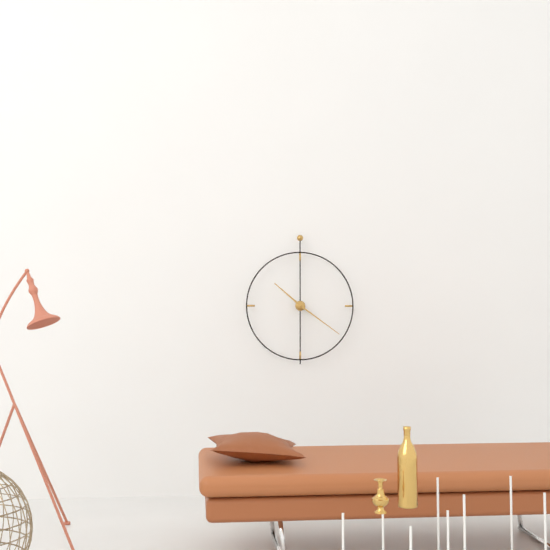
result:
10,21
